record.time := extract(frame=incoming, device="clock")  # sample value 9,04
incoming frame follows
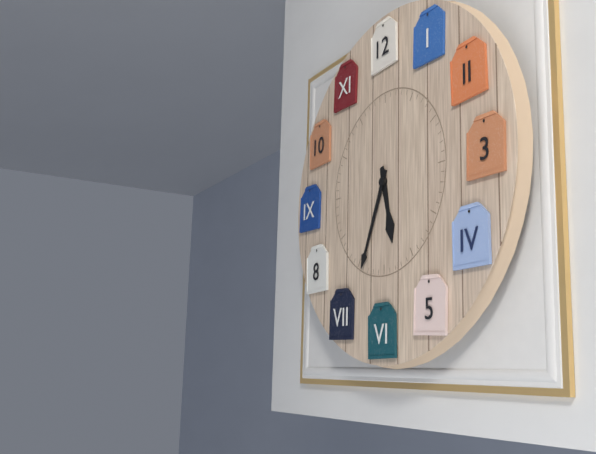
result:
5,34
